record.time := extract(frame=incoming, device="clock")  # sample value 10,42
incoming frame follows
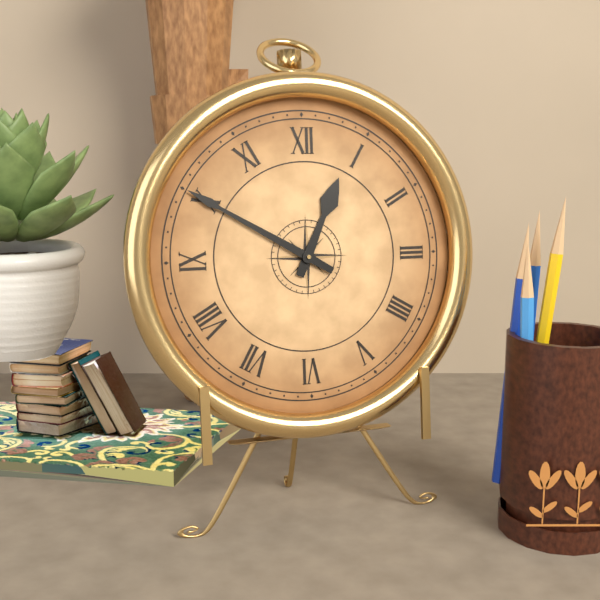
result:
12,50
